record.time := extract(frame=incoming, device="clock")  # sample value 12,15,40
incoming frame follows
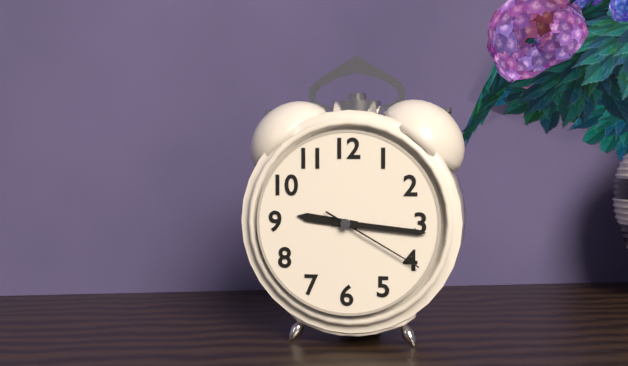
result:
9,16,20
